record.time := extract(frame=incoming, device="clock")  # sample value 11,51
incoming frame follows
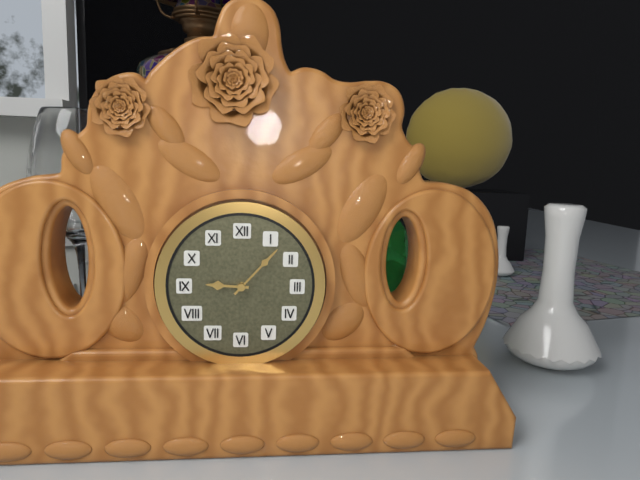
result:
9,07
